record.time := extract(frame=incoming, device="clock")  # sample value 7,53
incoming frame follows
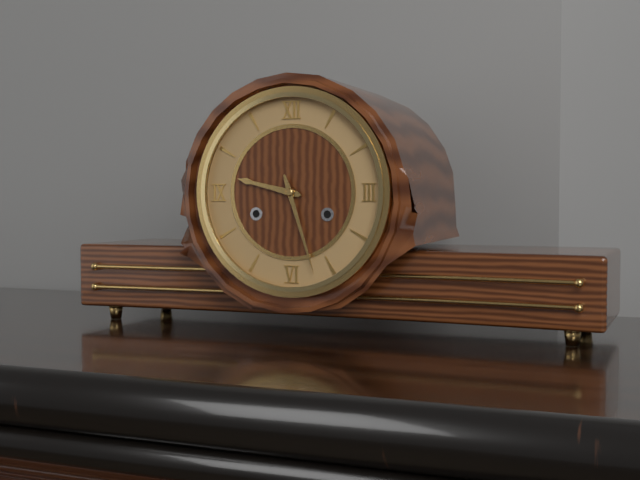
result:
9,27
